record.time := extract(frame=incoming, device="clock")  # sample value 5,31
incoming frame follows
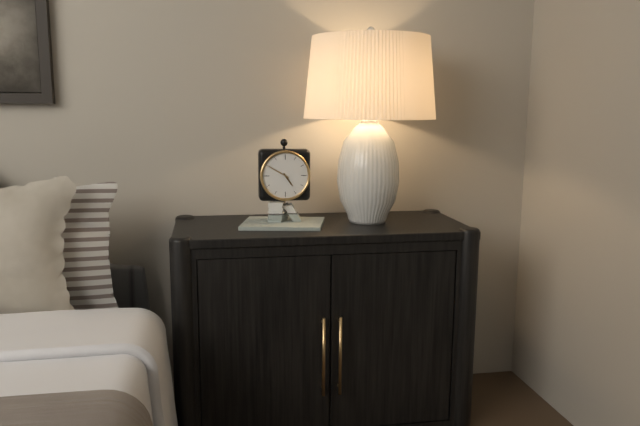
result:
4,50
